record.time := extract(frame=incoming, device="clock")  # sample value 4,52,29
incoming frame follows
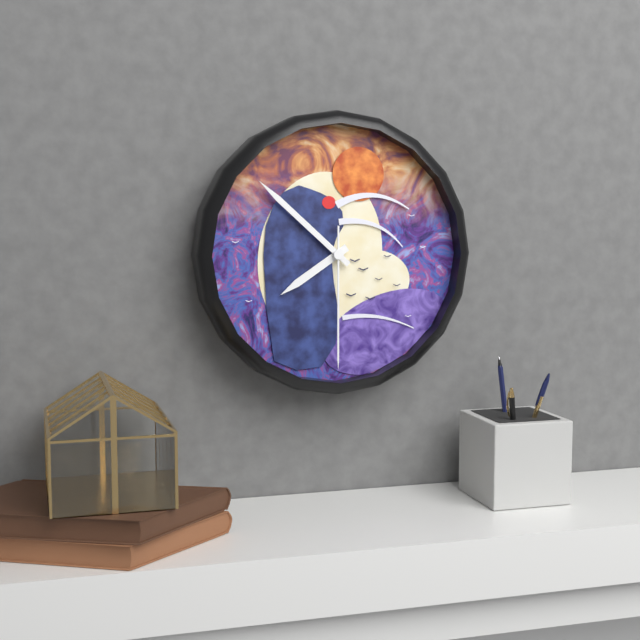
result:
7,52,30
